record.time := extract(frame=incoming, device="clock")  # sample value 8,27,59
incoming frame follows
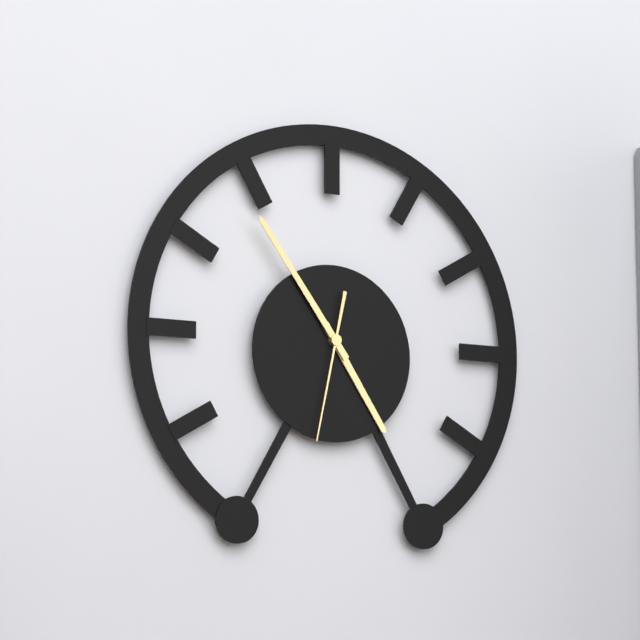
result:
4,54,32
